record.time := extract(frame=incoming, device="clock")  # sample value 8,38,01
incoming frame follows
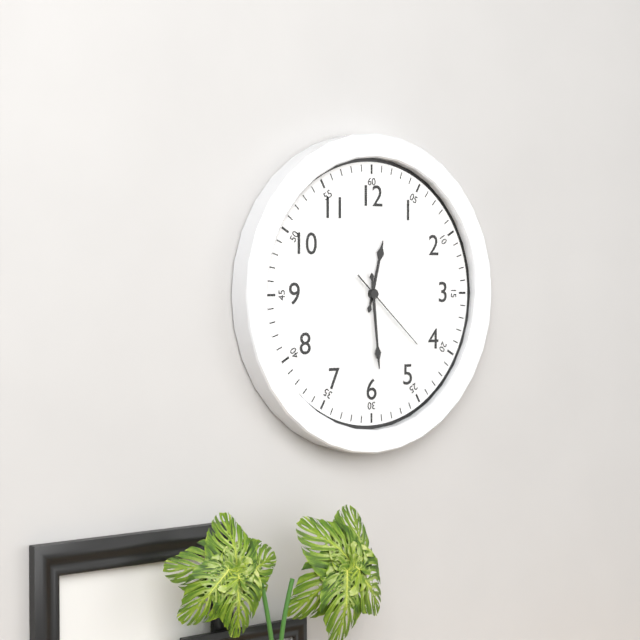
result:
12,29,22
